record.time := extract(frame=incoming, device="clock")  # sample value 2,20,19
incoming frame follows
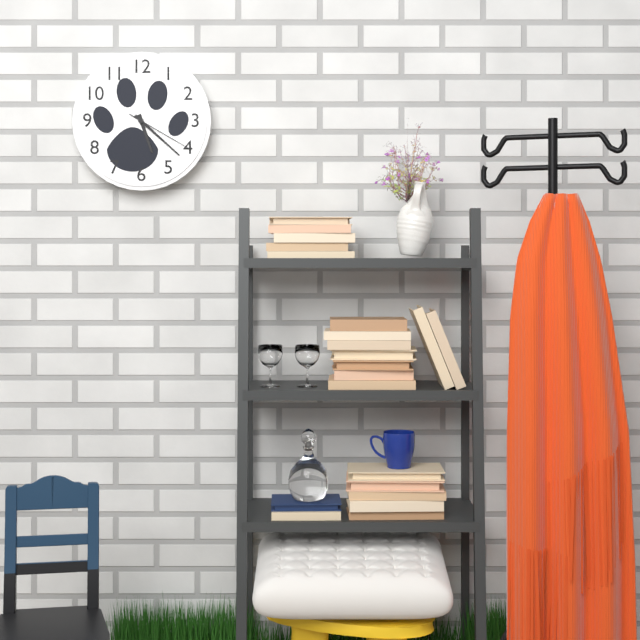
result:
5,22,20
